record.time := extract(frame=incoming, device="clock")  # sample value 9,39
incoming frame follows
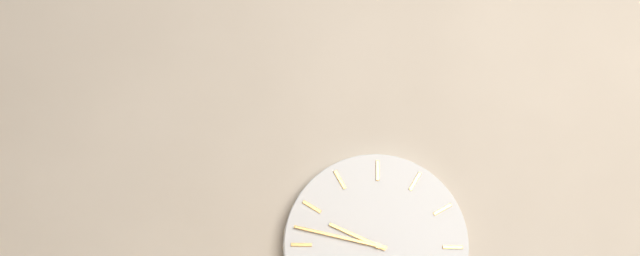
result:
9,47
